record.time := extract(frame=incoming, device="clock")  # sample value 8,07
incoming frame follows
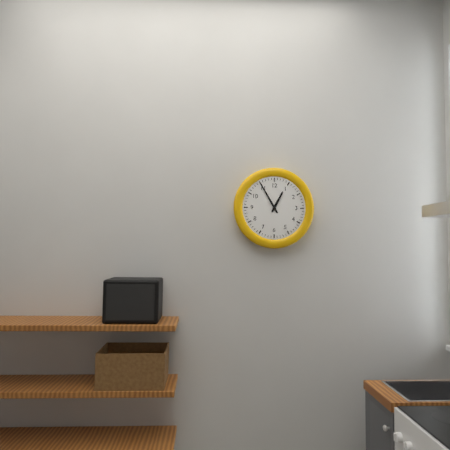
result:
12,55
